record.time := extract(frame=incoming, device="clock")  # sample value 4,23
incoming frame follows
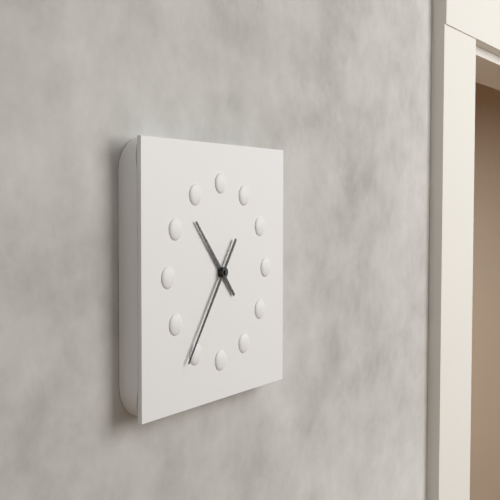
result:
10,36
